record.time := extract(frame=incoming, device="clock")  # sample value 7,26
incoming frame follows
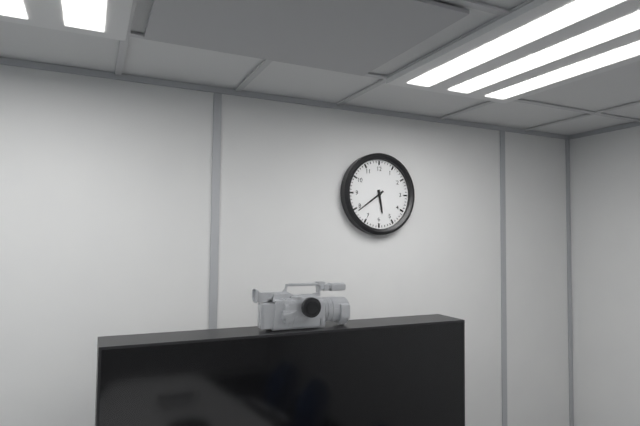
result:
5,39
